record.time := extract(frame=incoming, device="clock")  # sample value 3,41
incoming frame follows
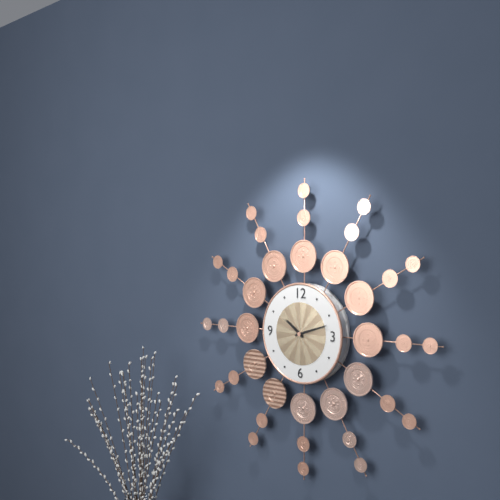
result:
10,12
